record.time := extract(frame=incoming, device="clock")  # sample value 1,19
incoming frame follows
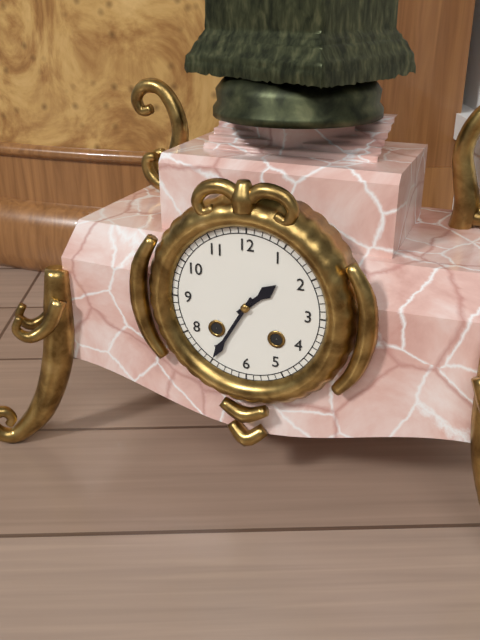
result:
1,35
